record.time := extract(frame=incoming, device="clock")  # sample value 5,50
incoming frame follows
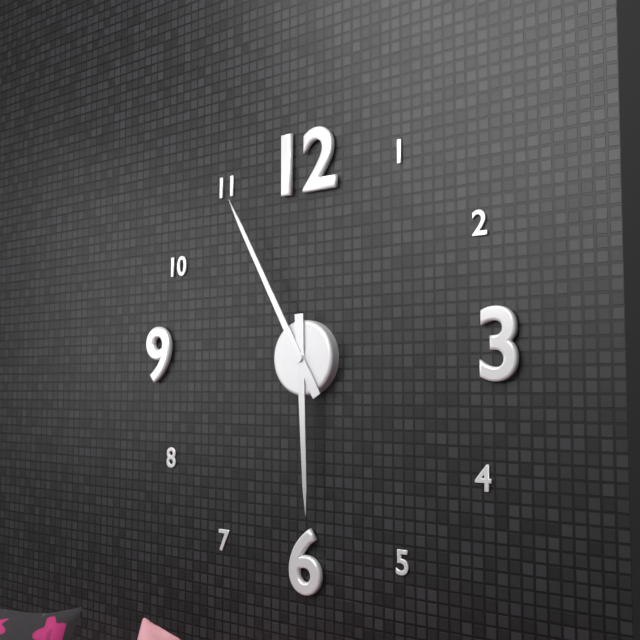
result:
5,55
